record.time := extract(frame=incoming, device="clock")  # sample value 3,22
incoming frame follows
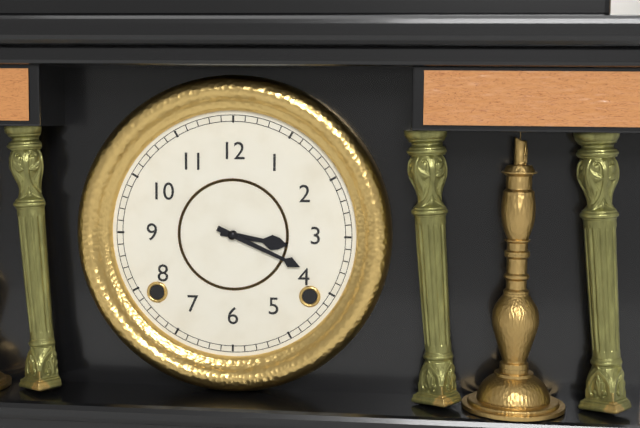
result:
3,19
